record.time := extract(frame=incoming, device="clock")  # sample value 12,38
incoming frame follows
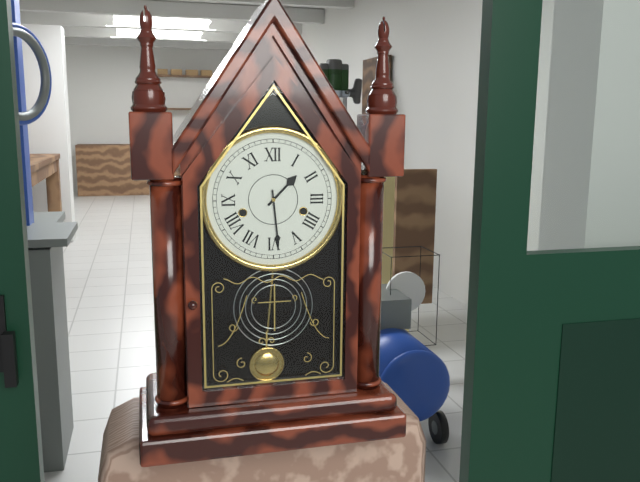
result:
1,29
